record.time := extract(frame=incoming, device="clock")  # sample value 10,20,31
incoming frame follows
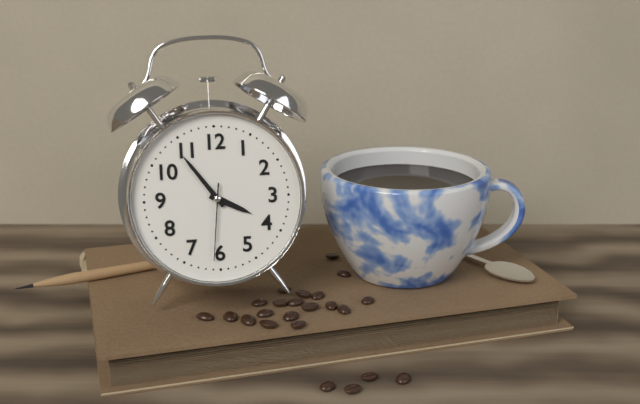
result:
3,54,31
